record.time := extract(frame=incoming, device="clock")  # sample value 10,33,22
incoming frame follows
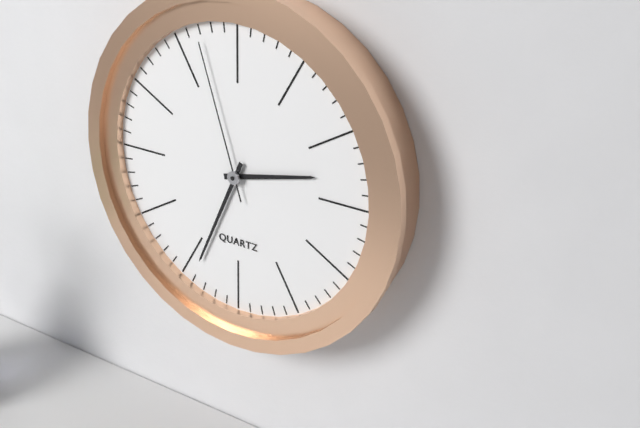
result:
2,34,57
